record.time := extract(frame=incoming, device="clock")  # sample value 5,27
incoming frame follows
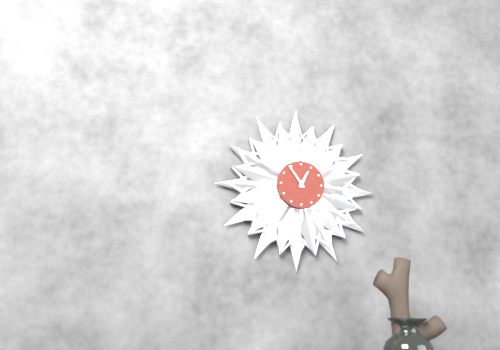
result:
12,54
